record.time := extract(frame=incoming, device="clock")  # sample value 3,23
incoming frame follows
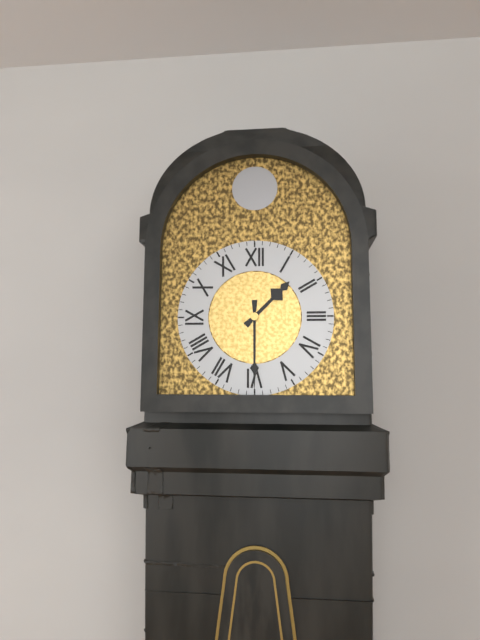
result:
1,30
